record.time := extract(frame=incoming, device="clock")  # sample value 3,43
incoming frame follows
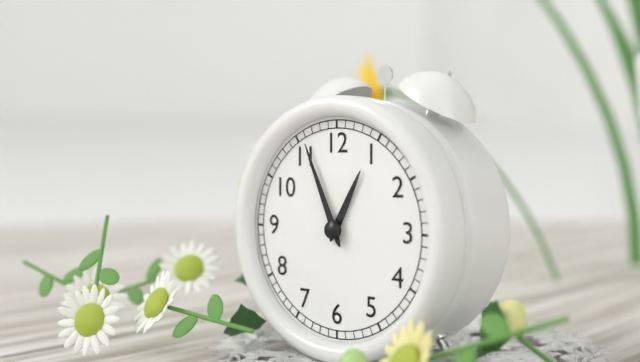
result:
12,56
